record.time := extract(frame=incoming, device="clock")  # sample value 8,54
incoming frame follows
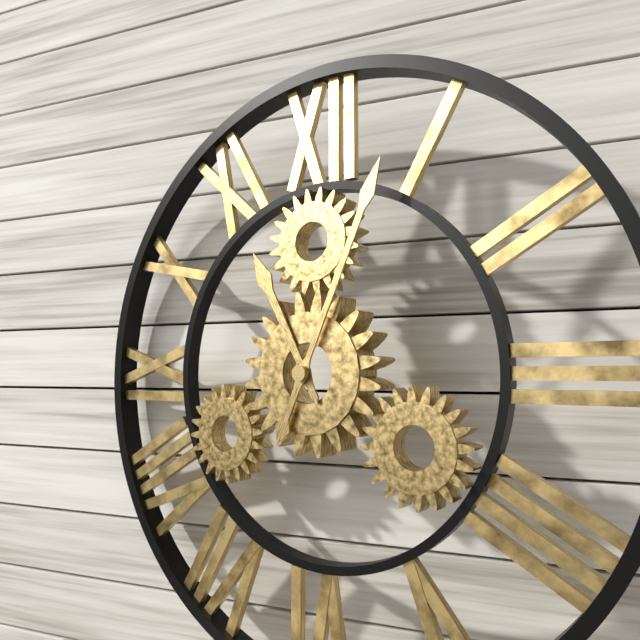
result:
11,04
